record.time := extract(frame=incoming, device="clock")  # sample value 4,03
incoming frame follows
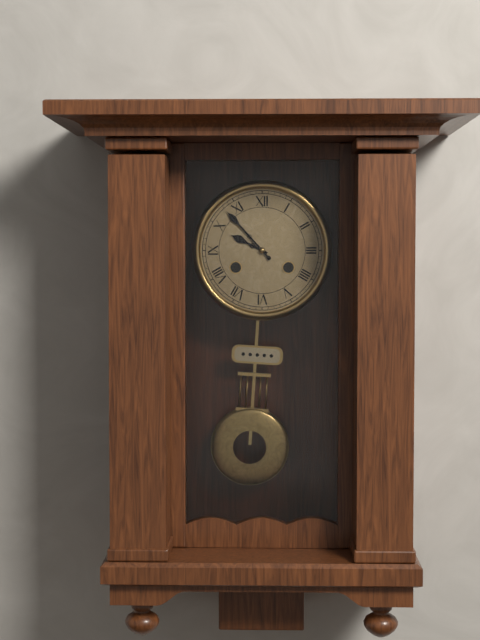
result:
9,53
